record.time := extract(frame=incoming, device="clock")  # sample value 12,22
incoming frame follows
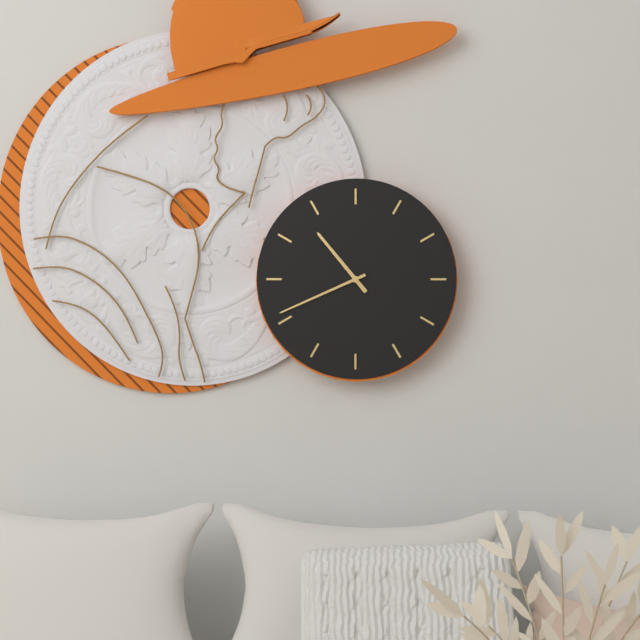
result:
10,41
